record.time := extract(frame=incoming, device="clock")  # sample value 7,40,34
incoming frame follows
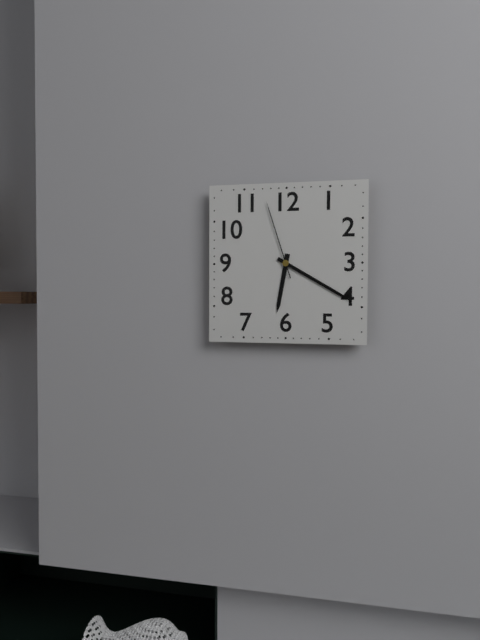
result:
6,20,57
